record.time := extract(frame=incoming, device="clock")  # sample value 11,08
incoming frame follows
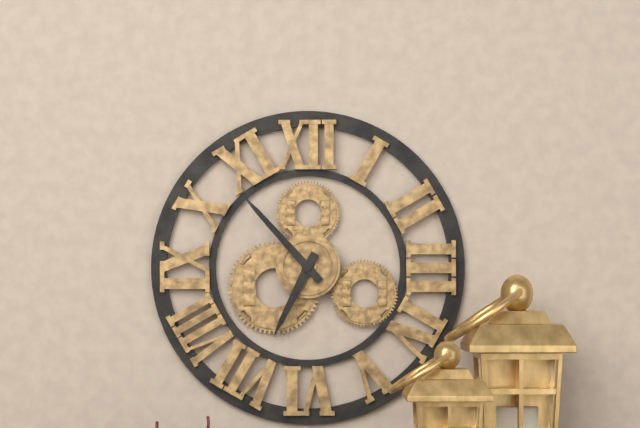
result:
6,53
